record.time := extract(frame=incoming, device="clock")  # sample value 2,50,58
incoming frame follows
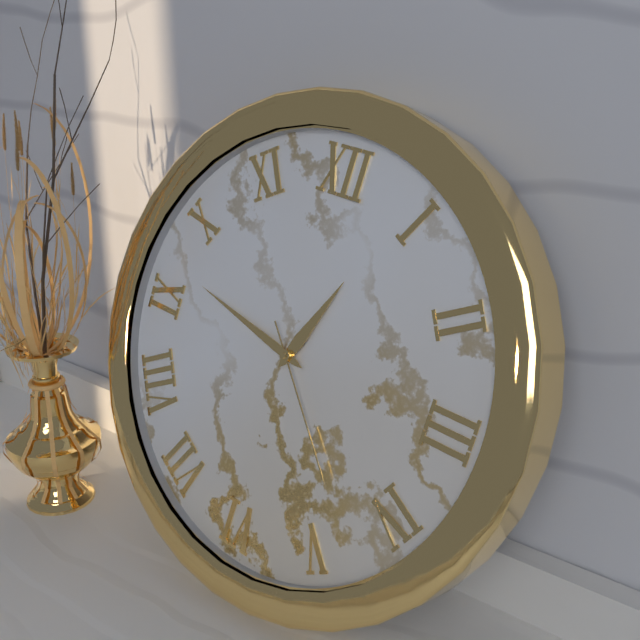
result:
12,47,23
